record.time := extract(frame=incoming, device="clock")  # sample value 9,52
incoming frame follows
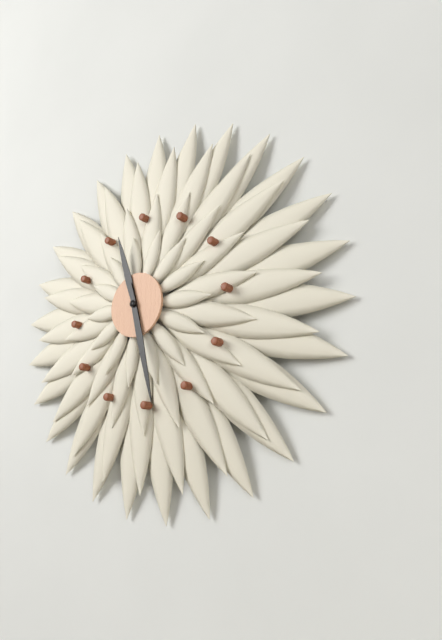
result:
11,28
